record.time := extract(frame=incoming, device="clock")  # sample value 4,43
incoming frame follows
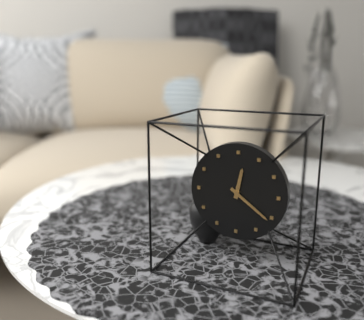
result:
12,21
